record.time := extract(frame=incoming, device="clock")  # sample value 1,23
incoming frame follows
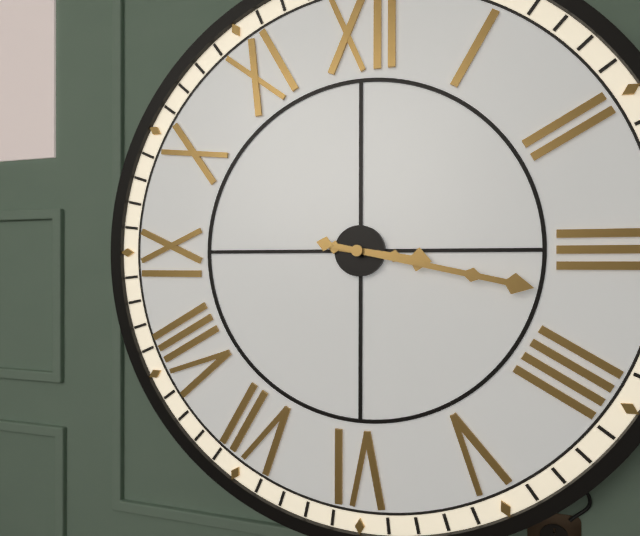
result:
3,17
